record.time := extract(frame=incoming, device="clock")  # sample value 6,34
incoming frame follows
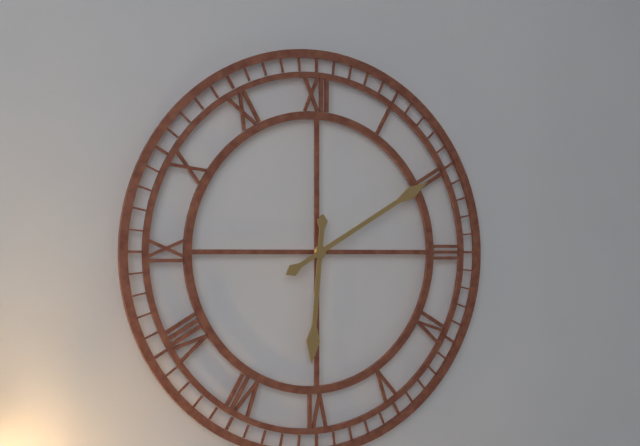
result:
6,10
